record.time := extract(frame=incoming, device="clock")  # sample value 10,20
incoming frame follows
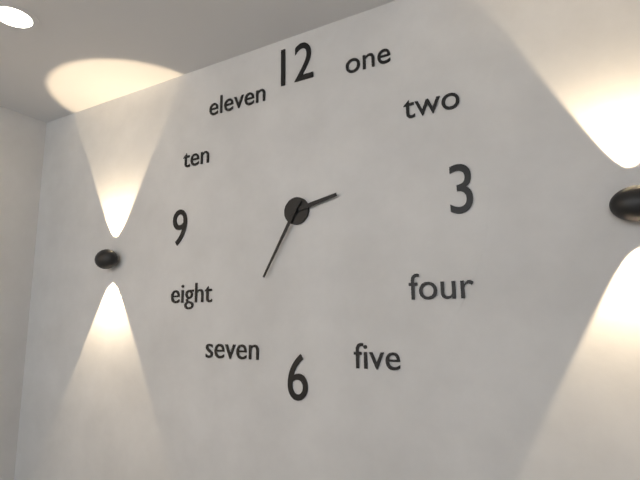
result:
2,35
